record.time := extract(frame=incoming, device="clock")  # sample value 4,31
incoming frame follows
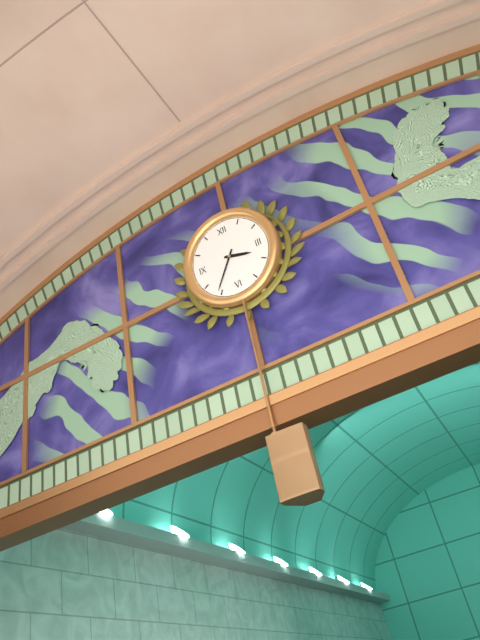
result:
3,36
